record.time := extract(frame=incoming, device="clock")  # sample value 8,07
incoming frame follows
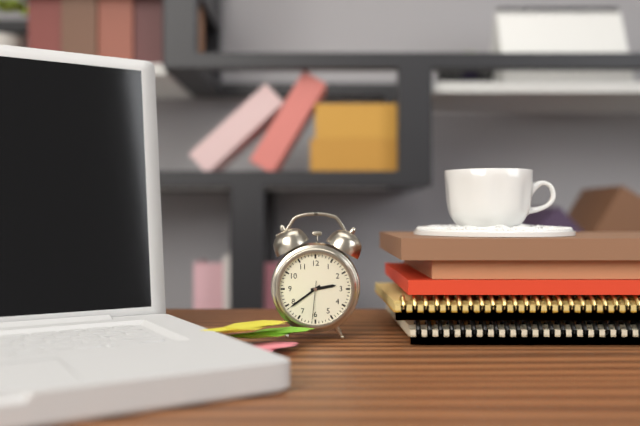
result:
2,39
